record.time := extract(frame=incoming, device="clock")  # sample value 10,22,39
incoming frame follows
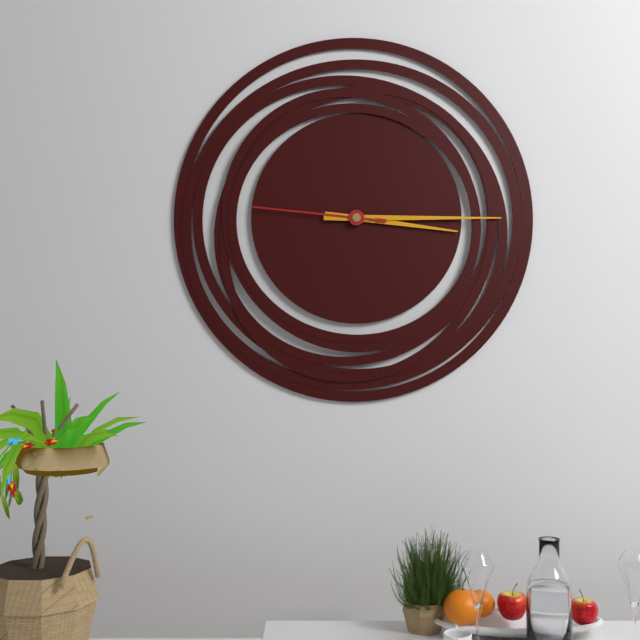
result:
3,15,46
